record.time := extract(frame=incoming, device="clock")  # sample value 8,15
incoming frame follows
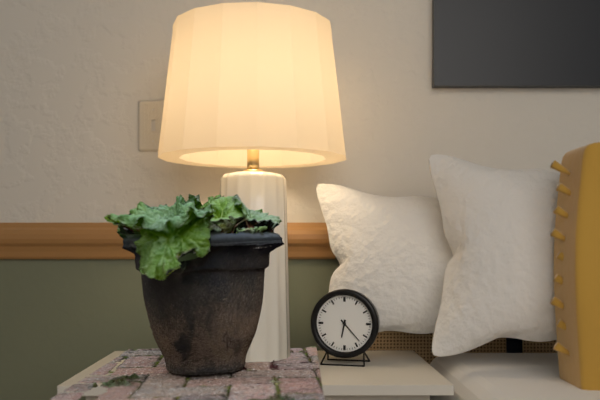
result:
6,23
